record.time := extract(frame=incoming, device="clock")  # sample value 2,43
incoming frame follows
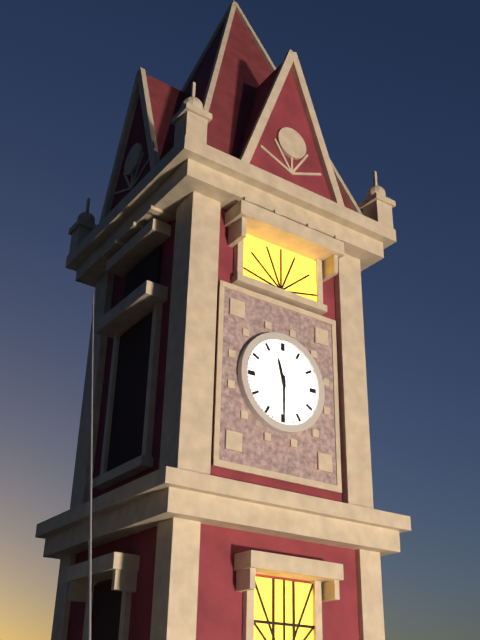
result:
11,30
